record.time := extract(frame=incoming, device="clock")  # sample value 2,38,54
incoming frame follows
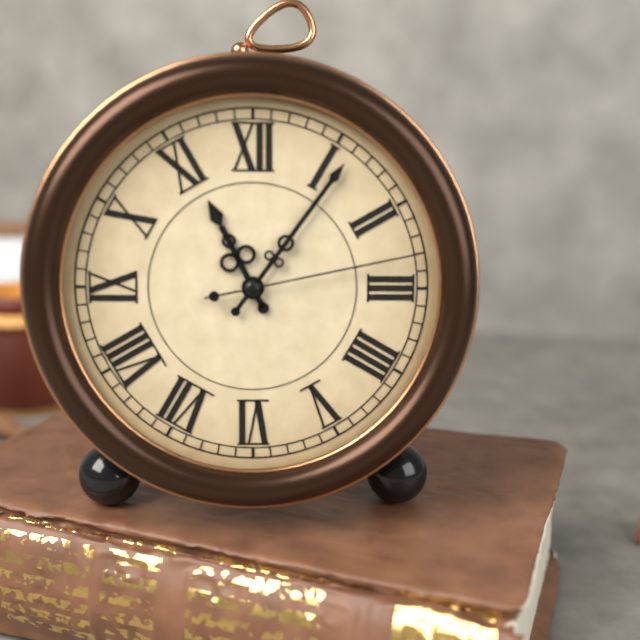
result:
11,06,13
